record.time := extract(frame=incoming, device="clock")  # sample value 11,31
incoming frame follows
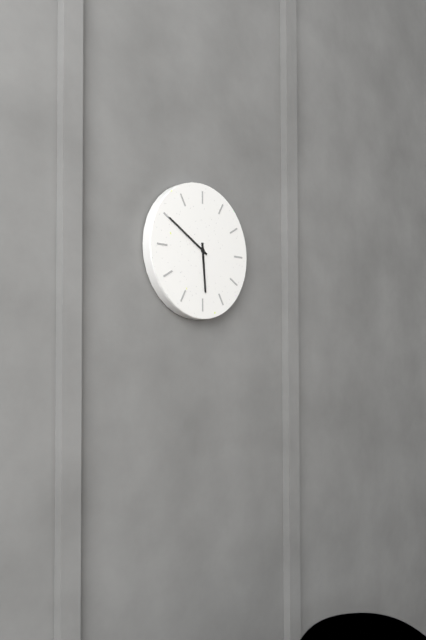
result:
5,50
